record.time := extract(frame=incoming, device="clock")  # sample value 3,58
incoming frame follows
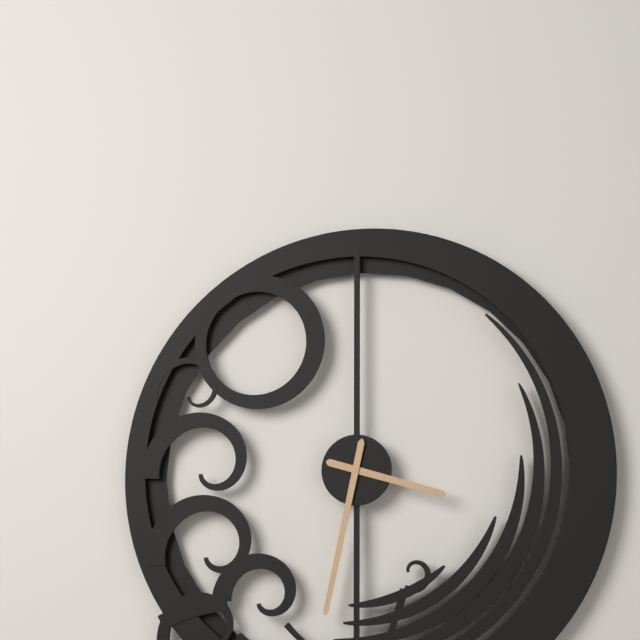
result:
3,32
